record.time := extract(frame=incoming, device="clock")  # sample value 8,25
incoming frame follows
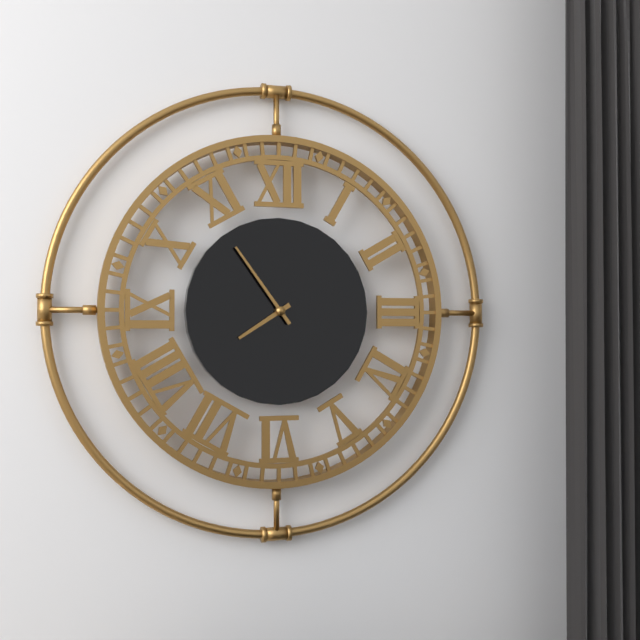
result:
7,54
